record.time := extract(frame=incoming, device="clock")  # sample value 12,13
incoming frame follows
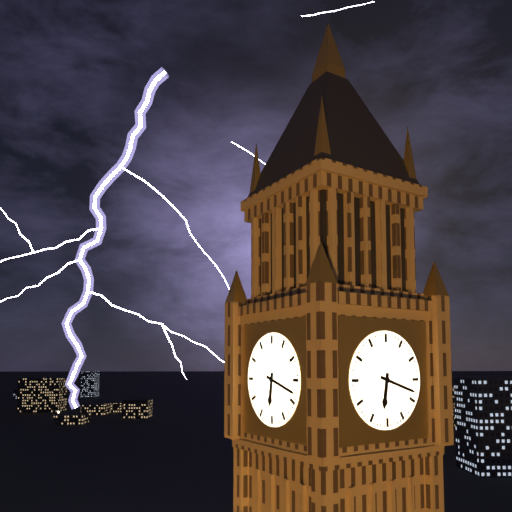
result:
6,18
